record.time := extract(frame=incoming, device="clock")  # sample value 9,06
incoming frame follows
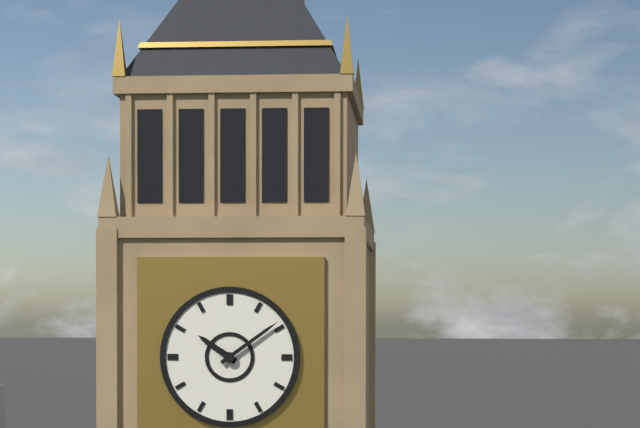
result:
10,09
